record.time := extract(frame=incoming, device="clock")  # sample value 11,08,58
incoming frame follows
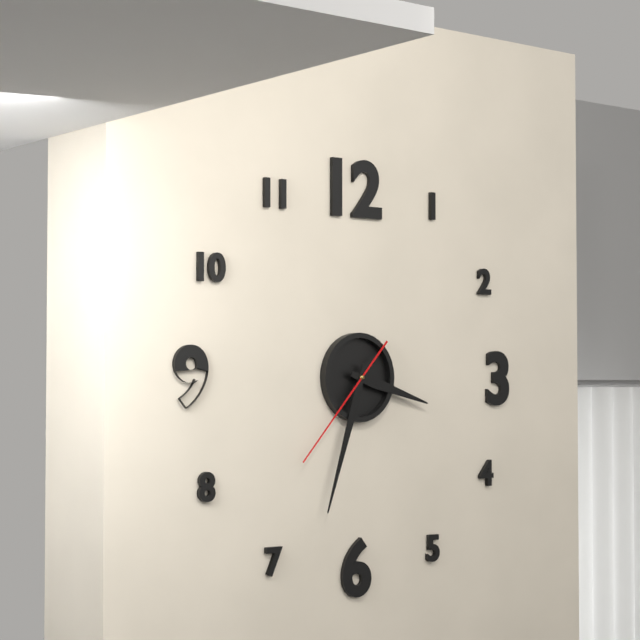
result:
3,33,37
